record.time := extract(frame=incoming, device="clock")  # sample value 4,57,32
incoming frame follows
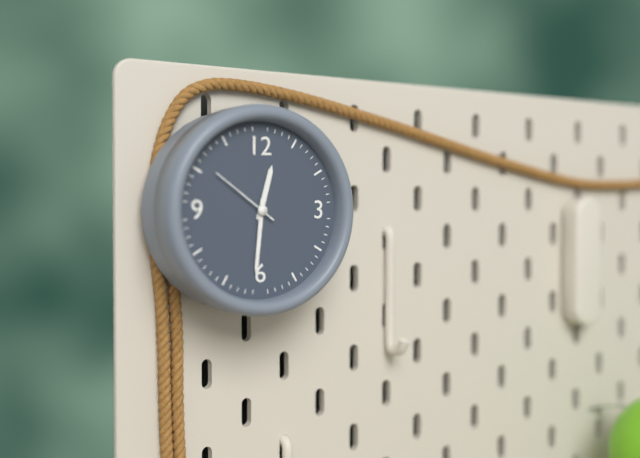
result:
12,31,51
